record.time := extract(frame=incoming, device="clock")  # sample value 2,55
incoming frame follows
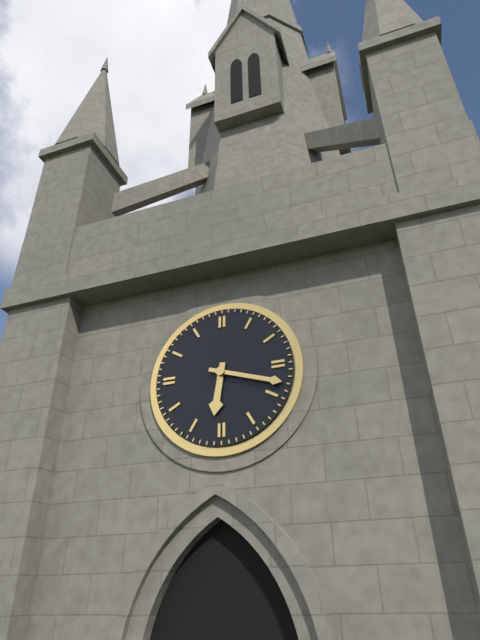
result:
6,18
